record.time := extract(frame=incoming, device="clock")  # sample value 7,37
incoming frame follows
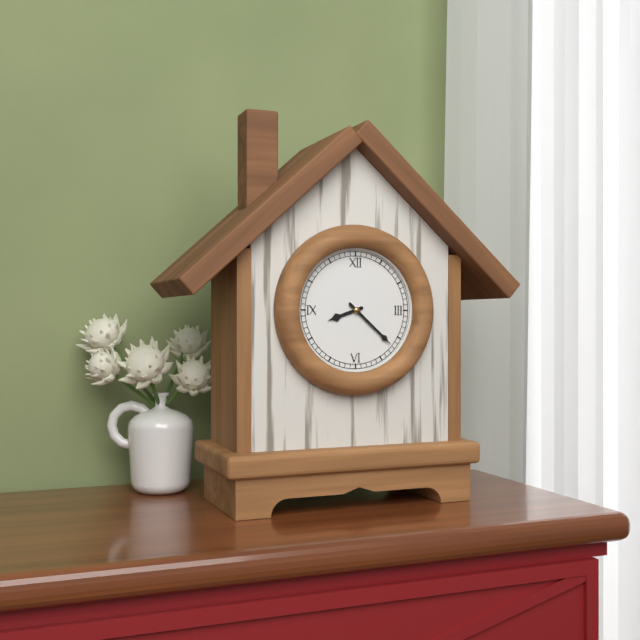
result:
8,22
